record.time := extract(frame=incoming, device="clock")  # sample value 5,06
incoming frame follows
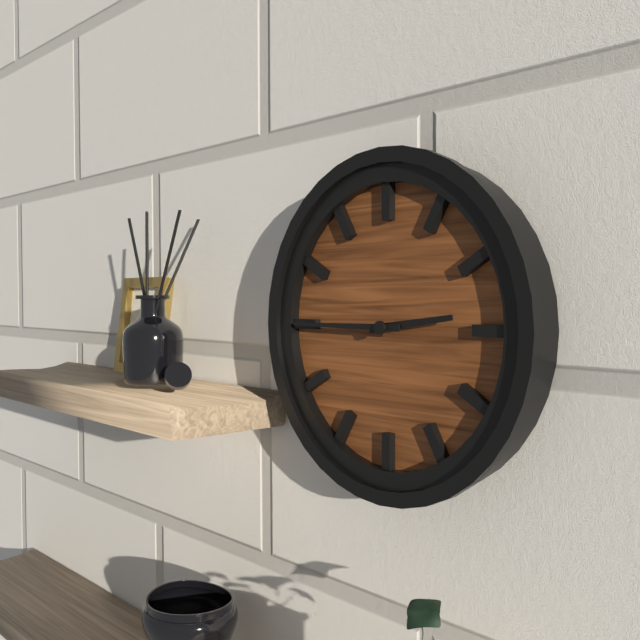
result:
2,45
